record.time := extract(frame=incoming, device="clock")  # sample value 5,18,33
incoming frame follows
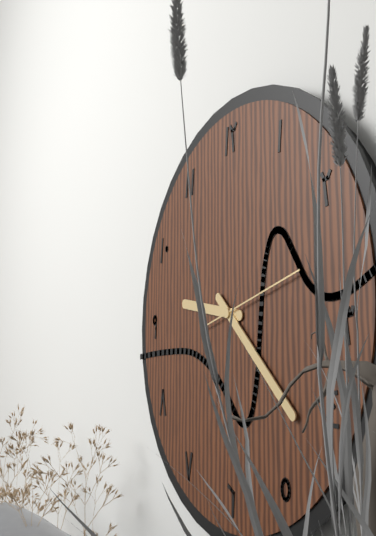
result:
9,22,13
